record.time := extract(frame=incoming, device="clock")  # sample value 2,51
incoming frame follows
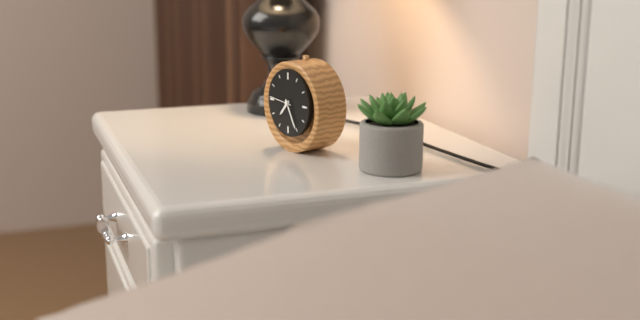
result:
7,25
